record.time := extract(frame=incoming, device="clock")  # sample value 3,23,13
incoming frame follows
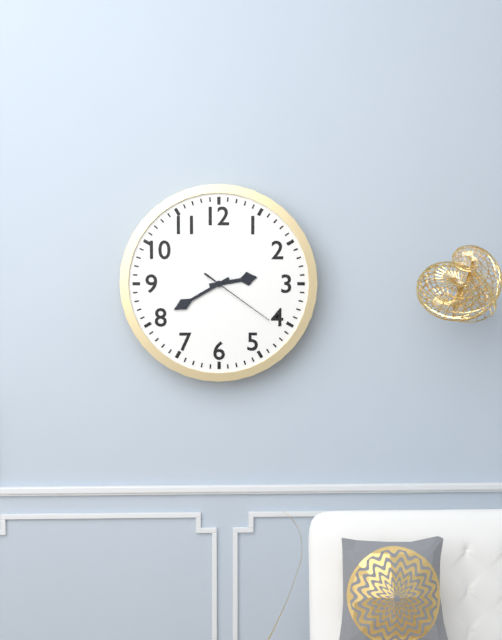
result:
2,40,21
